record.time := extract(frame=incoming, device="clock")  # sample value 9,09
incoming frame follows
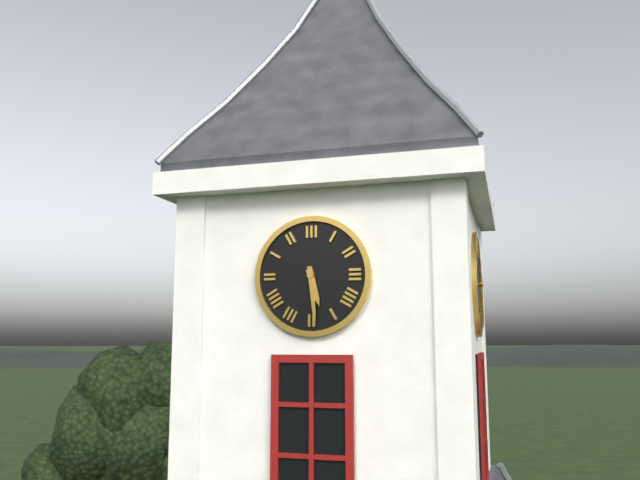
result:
5,29
